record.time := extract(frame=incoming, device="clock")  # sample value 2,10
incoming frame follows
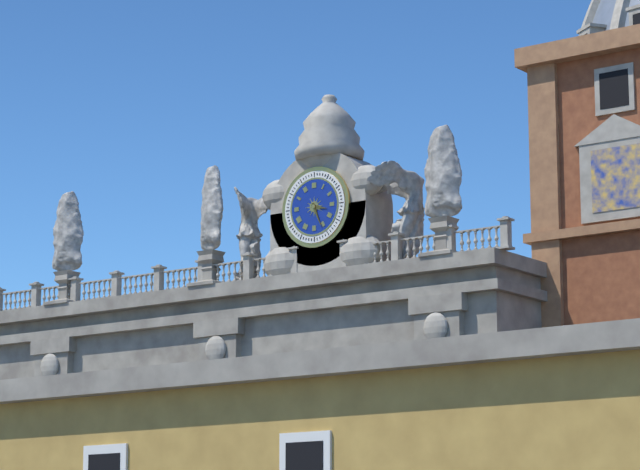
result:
3,26
